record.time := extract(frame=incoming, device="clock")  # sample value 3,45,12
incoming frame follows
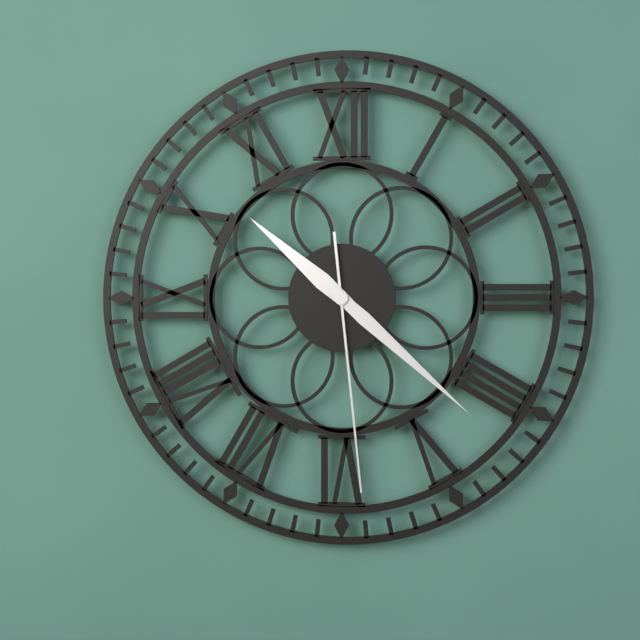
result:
10,22,29
